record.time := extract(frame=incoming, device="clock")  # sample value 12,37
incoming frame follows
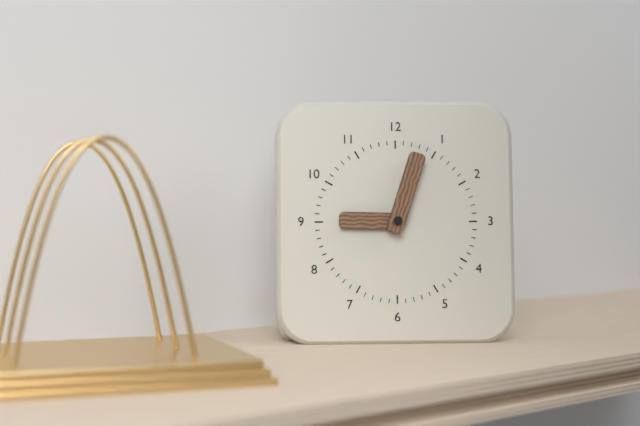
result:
9,03
